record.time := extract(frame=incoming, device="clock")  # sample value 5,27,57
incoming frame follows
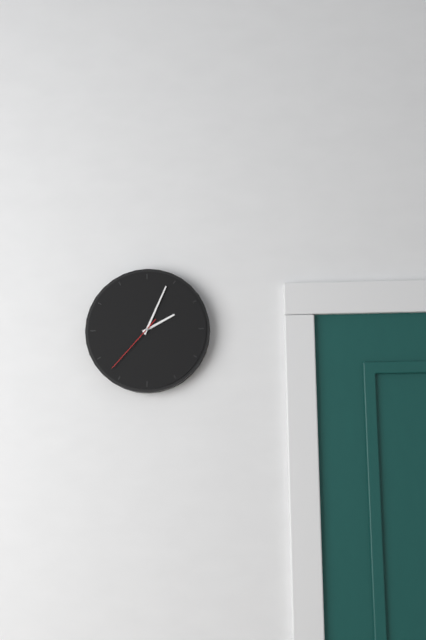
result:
2,04,37
